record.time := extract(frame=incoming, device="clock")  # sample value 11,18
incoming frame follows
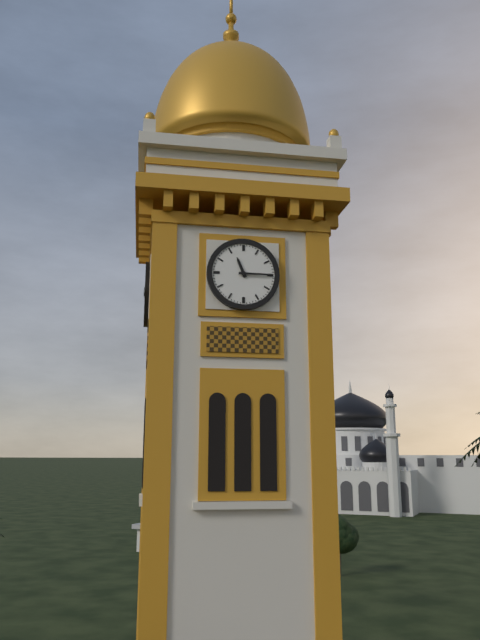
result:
11,15
